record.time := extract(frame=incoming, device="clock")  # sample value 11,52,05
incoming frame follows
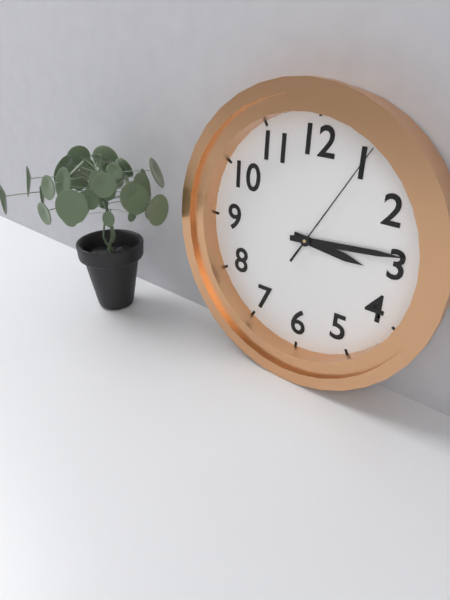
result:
3,14,05
